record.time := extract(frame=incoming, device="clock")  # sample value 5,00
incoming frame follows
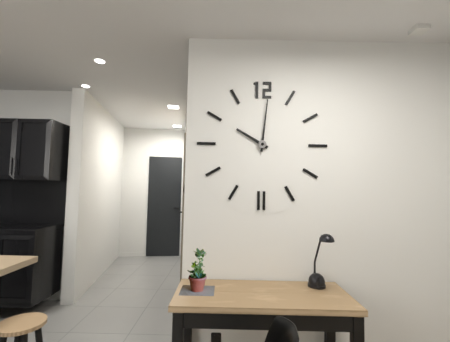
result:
10,01
